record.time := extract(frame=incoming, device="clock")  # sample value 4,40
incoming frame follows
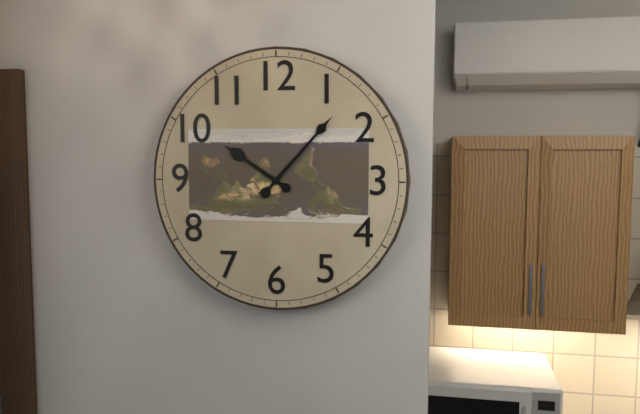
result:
10,07
